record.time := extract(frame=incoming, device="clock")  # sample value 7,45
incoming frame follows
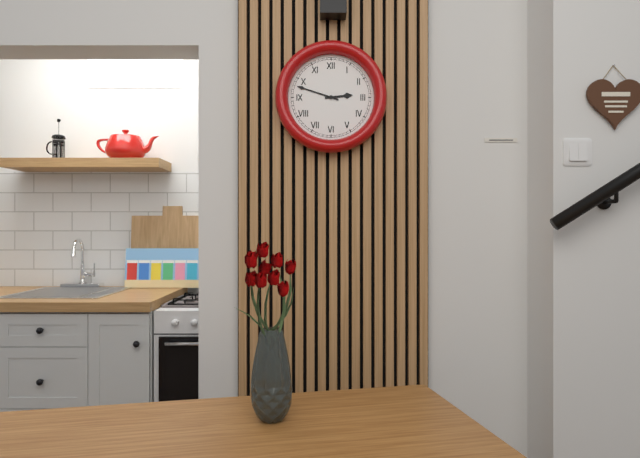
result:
2,48
